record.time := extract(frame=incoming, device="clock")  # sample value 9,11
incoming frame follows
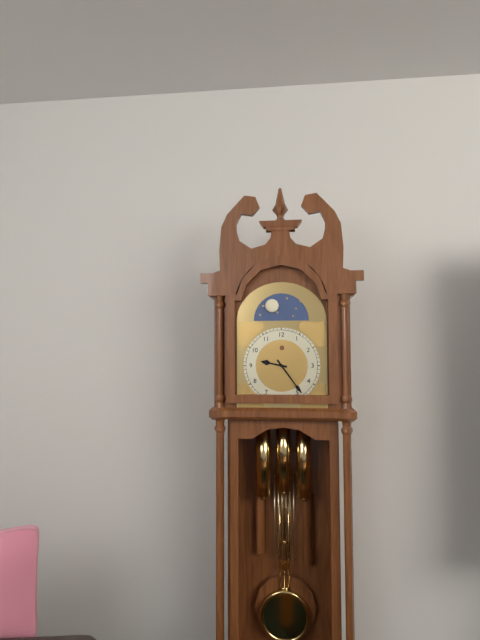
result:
9,24
